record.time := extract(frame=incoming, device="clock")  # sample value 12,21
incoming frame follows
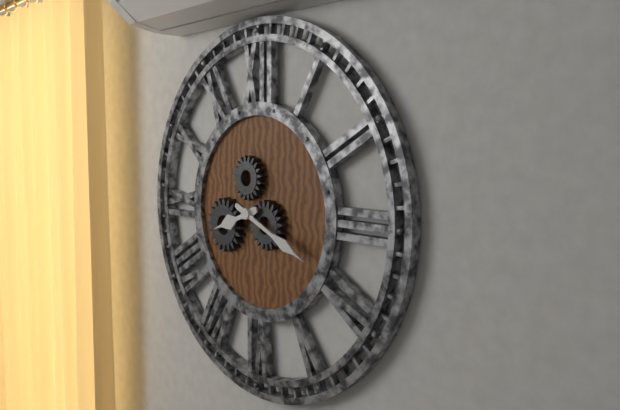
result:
8,19
